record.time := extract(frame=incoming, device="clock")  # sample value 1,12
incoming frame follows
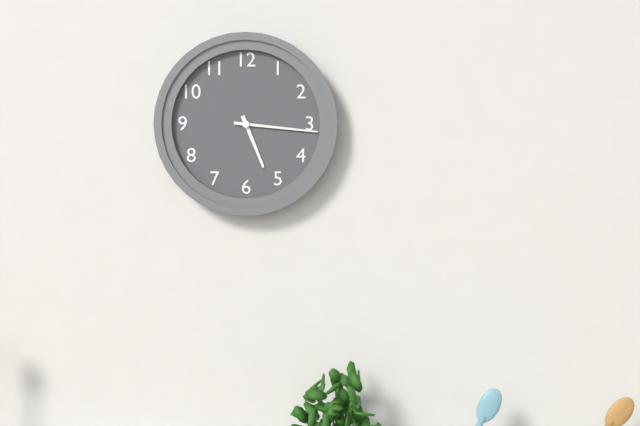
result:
5,16
